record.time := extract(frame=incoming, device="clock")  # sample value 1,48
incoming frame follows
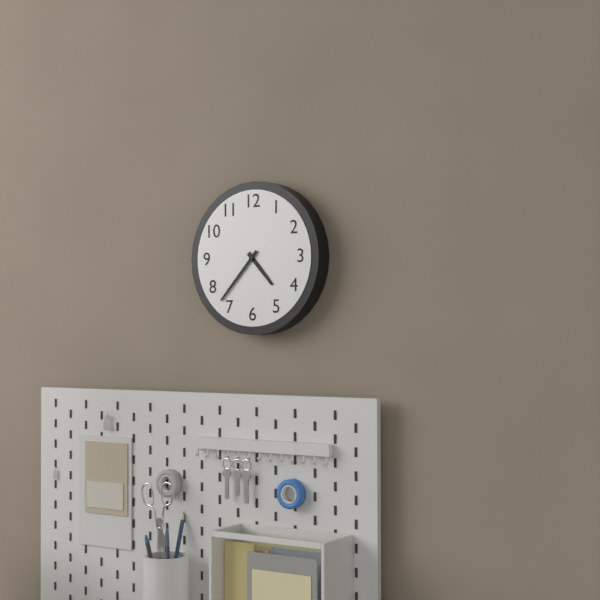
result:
4,37
